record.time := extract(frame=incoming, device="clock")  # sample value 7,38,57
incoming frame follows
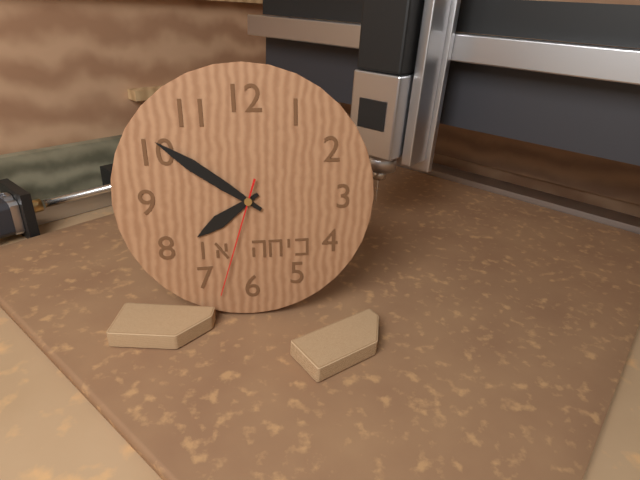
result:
7,51,33
